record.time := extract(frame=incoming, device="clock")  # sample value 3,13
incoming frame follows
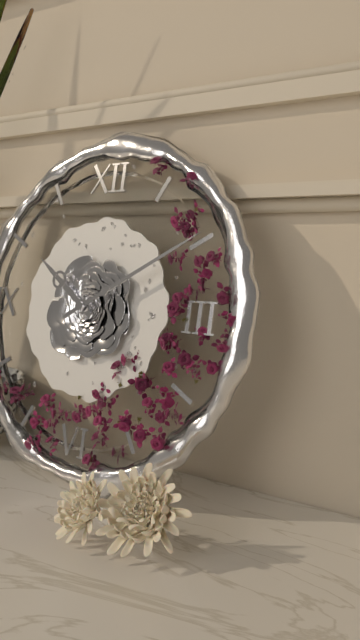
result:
10,10
